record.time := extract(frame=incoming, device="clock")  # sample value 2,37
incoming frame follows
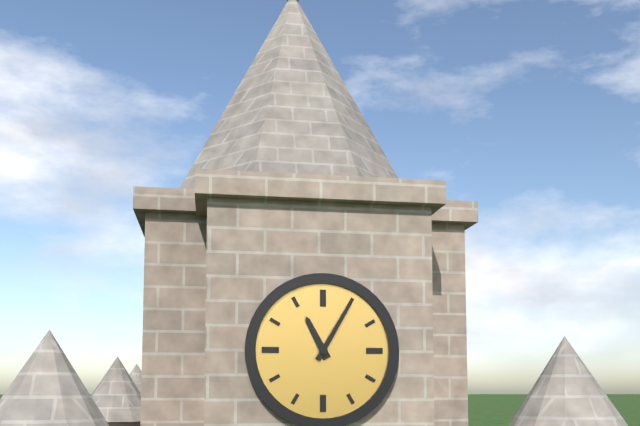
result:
11,05
